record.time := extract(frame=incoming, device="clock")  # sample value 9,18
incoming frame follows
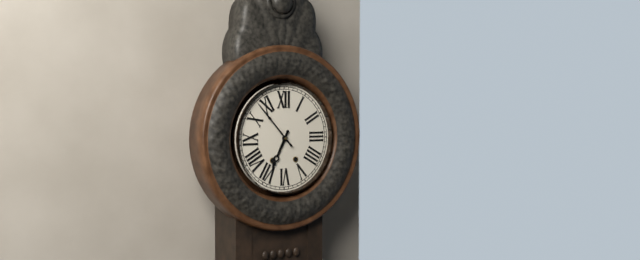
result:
6,53
